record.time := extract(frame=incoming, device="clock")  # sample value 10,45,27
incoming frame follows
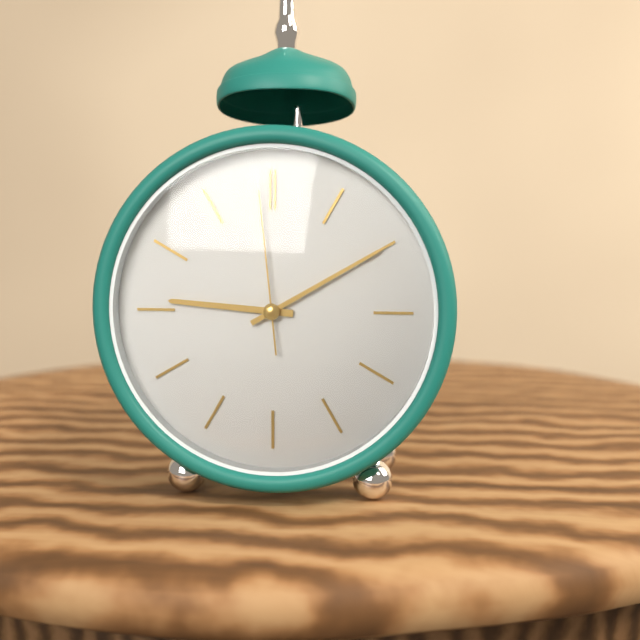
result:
9,10,59
